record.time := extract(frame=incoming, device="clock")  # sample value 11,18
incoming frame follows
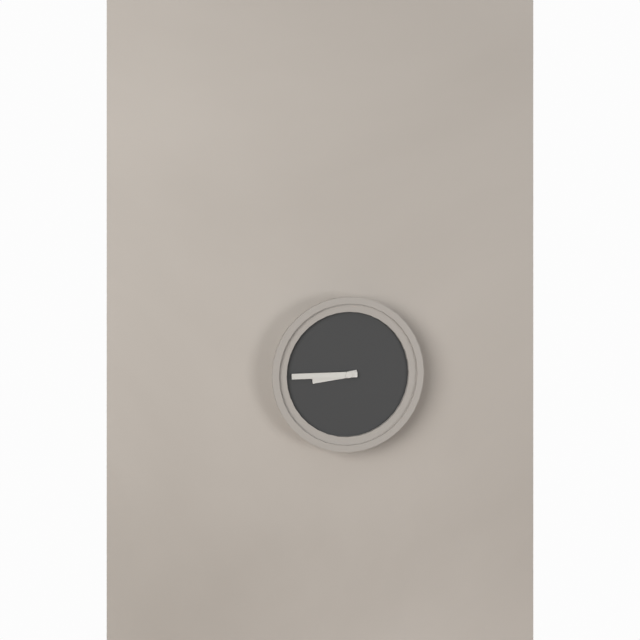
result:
8,45
